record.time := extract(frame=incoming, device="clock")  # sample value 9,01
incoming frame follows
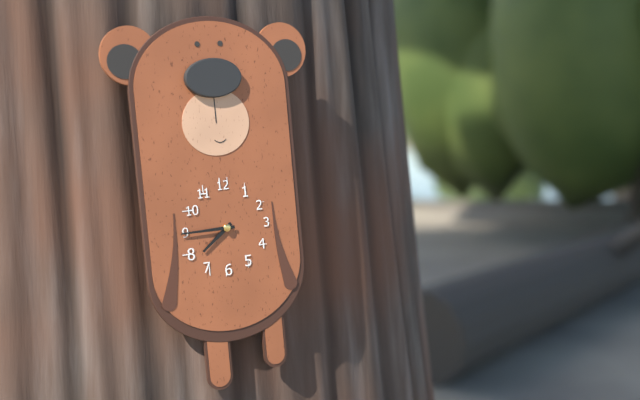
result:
7,45
